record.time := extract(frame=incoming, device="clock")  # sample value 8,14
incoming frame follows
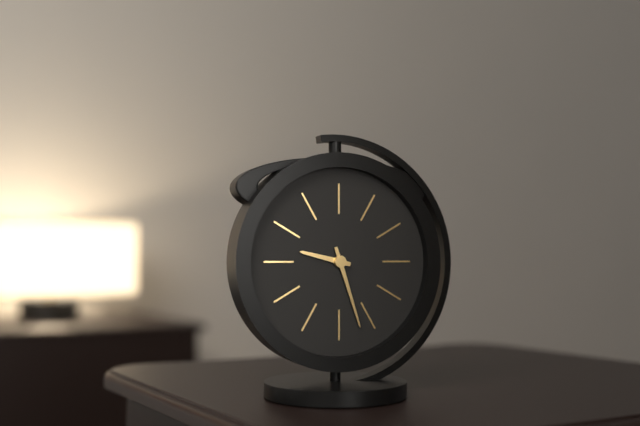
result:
9,27
